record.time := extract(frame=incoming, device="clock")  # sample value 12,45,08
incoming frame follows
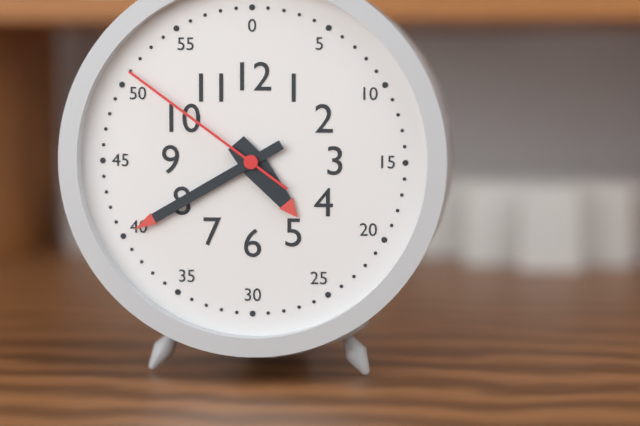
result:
4,40,51
